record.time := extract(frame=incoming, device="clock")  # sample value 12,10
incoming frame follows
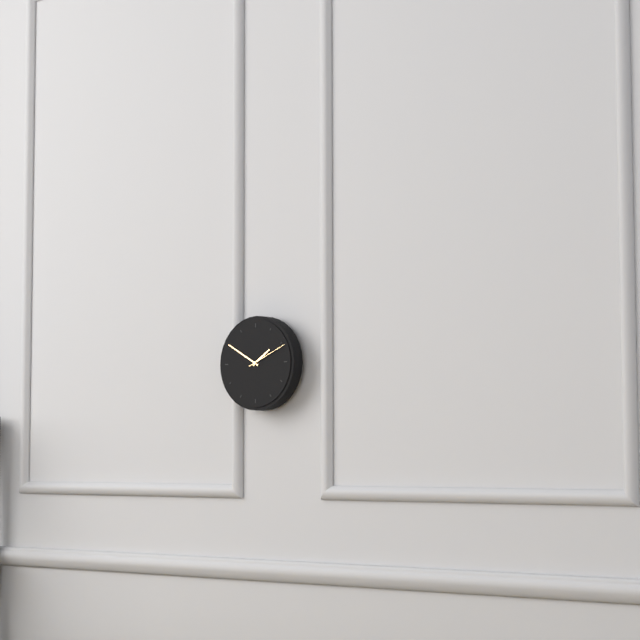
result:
1,50
